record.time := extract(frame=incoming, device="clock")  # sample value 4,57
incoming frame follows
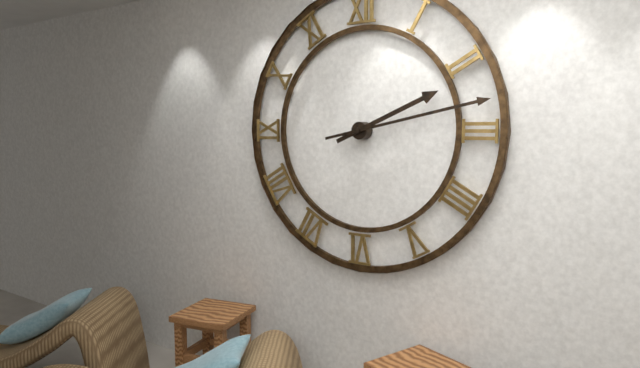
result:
2,13
